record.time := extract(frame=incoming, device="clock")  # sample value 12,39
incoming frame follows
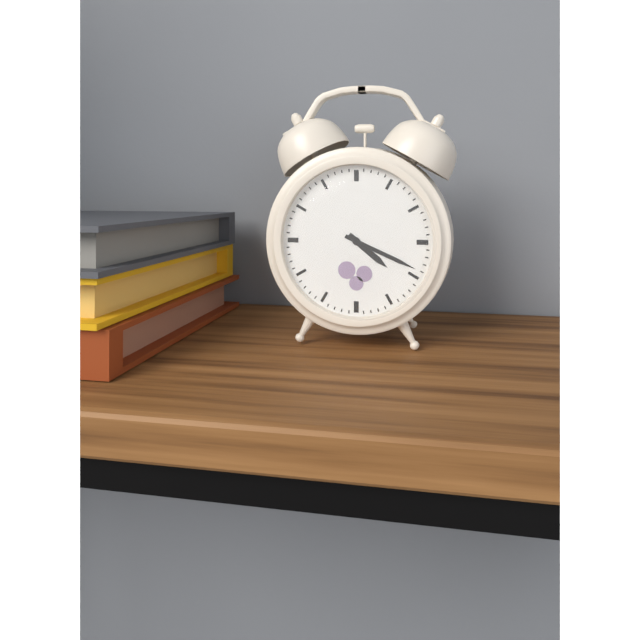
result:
4,19
